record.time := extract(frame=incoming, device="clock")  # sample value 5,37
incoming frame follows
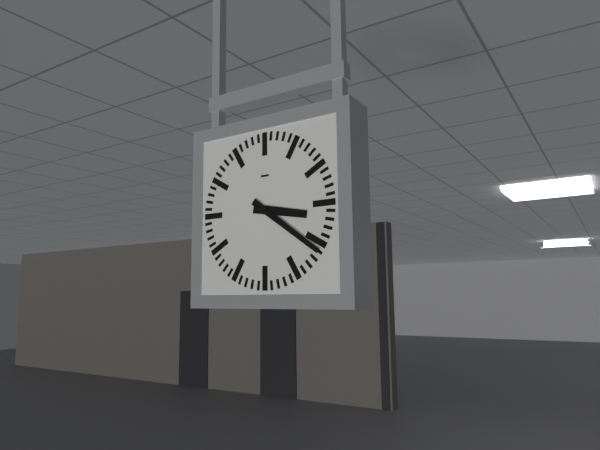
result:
3,21
